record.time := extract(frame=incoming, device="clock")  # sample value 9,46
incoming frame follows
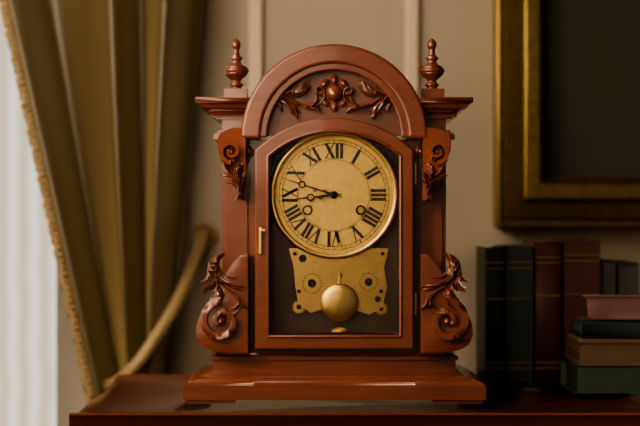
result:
8,48
